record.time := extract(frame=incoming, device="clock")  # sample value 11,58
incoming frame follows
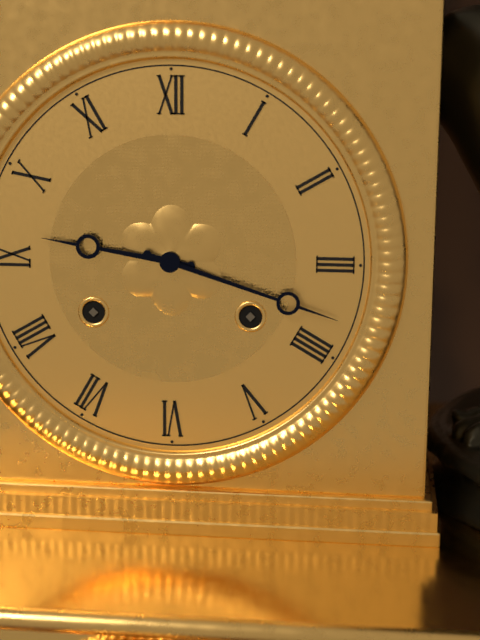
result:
9,18
